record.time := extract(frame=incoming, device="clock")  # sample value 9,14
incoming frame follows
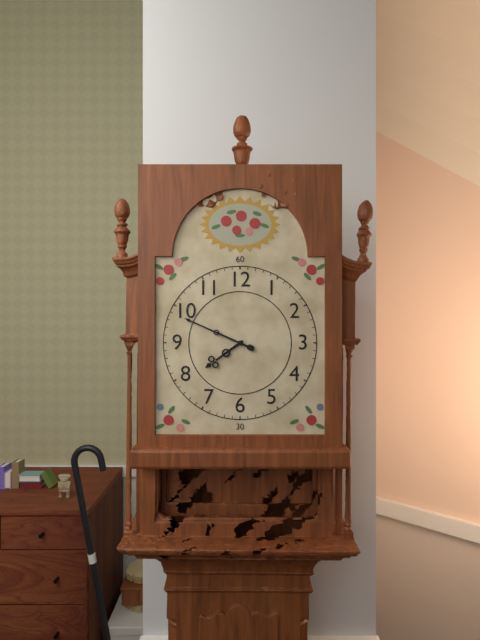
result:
7,49
